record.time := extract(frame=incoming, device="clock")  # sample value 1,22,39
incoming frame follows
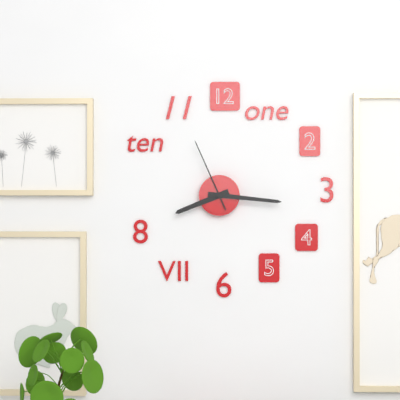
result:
8,16,56
